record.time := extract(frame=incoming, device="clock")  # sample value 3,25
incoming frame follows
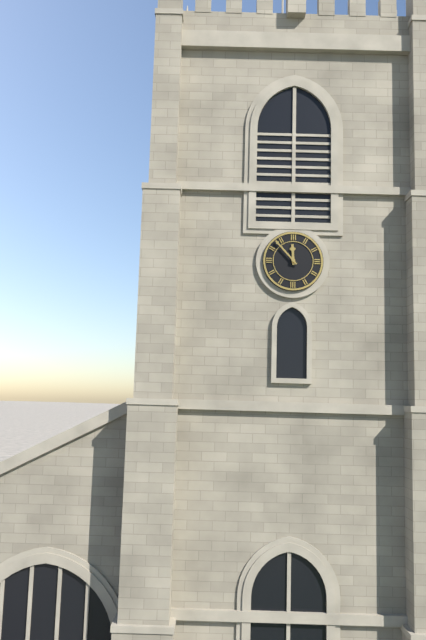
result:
11,53
